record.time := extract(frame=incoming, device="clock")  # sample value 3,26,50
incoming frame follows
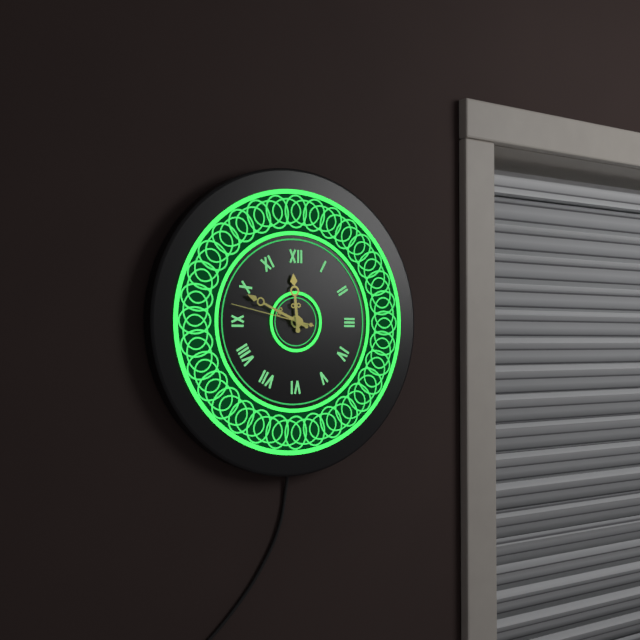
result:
11,49,47
